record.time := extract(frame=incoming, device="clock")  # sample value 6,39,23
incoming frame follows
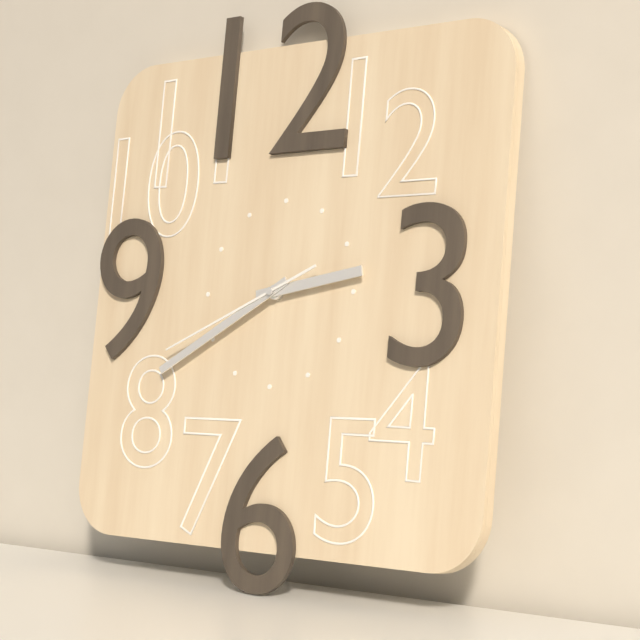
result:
2,40,41
